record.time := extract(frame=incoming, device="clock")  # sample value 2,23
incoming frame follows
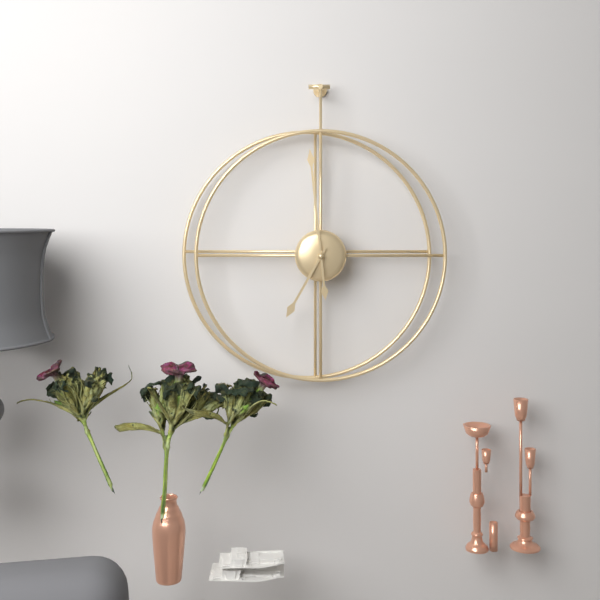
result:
6,59
